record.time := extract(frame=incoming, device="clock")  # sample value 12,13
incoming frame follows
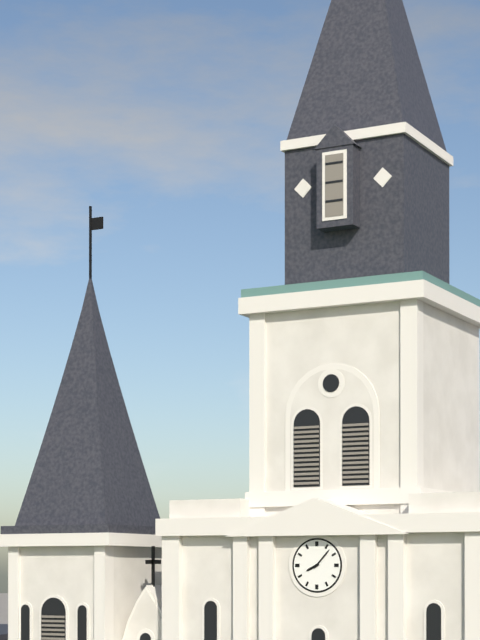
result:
8,07
